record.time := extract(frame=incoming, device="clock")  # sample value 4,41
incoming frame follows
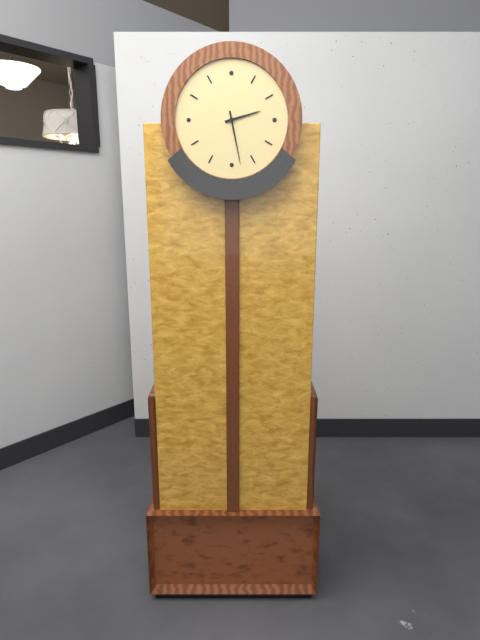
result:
2,28
